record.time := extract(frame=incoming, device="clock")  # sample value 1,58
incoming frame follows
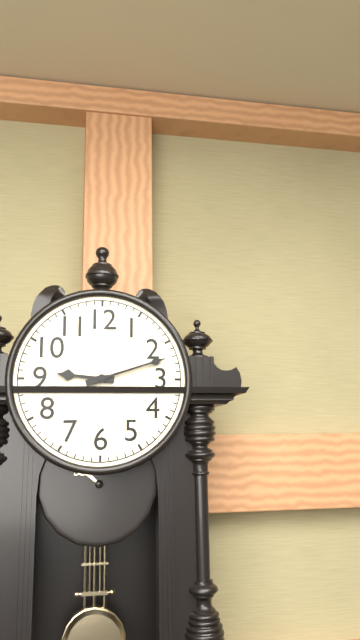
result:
9,12
